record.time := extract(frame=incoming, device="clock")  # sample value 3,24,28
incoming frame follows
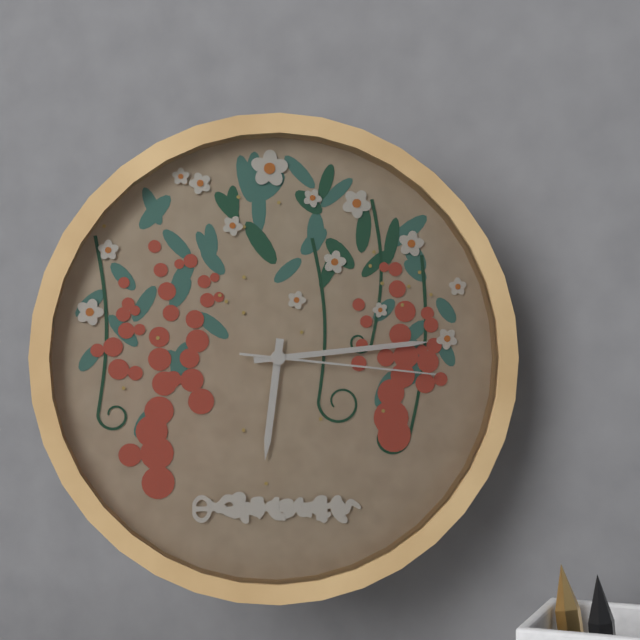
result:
6,14,16
